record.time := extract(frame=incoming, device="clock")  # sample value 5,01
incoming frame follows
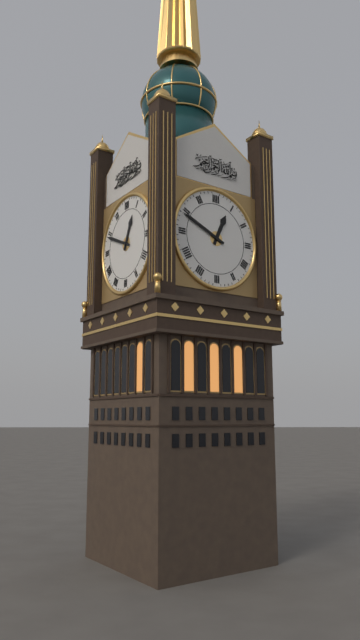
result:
12,49
